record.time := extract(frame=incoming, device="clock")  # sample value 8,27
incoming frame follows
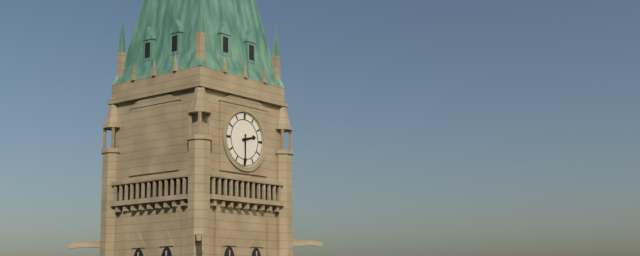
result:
2,30
